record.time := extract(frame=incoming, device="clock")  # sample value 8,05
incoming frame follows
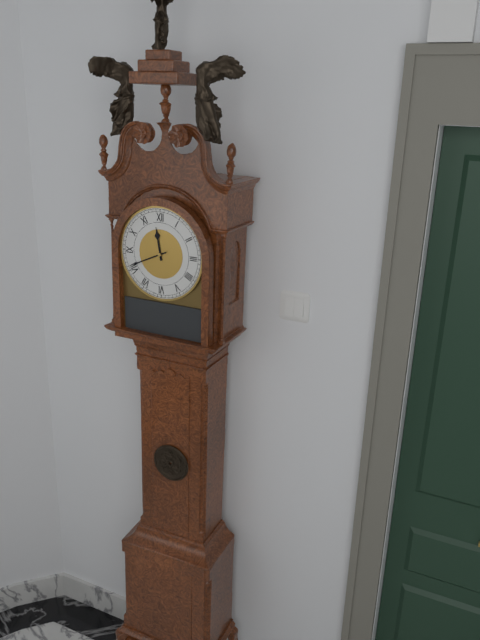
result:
11,41
